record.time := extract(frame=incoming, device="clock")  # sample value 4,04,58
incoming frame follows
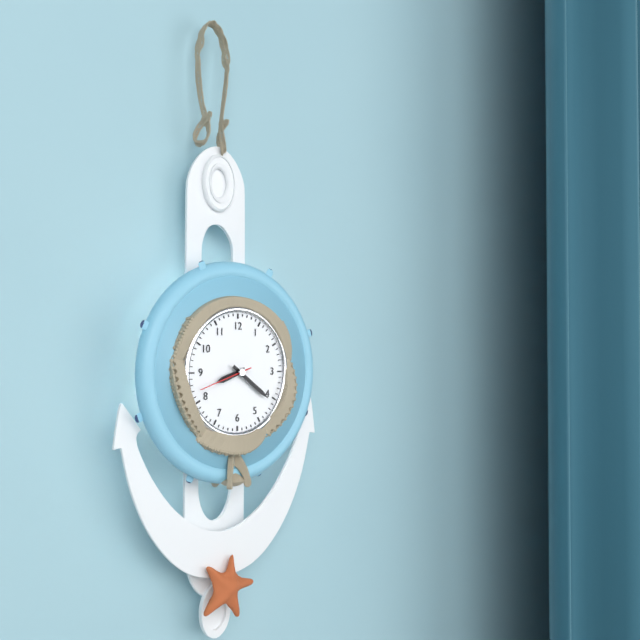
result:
8,21,42
